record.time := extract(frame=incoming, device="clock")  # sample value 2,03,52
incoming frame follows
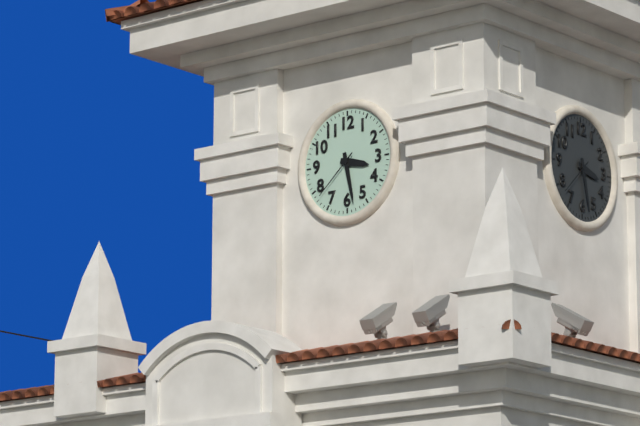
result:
3,28,38
